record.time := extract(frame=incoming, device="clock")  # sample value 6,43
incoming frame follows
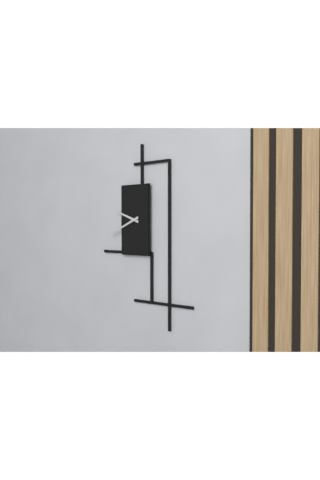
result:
9,41
